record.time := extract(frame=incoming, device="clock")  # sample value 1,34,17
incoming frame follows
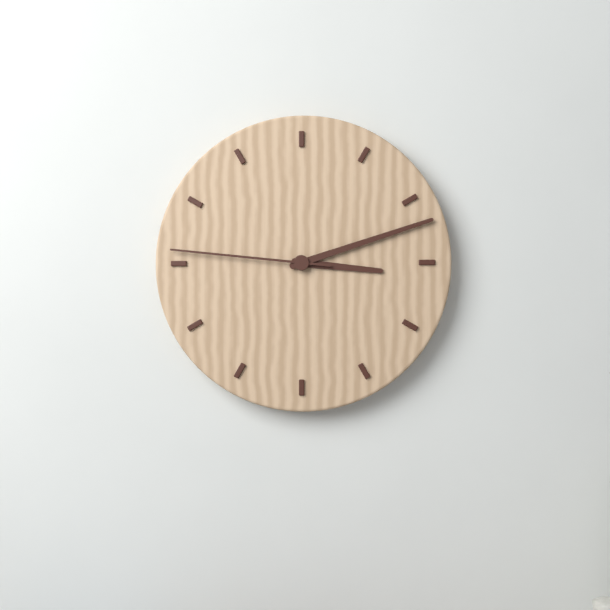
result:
3,12,46
